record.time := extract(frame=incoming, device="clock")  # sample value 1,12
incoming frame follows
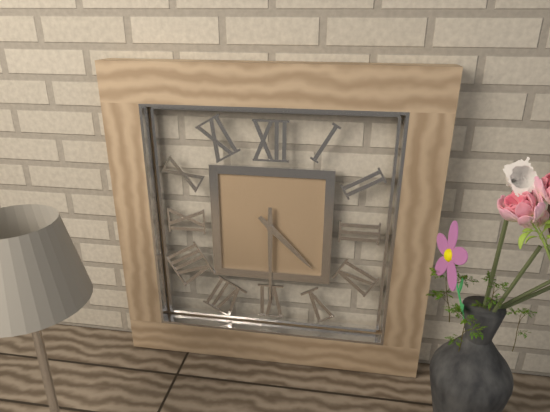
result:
4,30
